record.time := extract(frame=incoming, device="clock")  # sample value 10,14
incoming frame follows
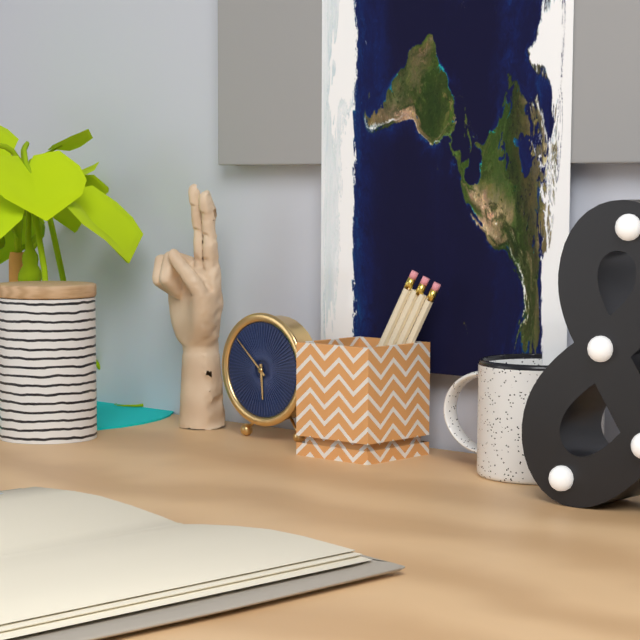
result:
5,52
